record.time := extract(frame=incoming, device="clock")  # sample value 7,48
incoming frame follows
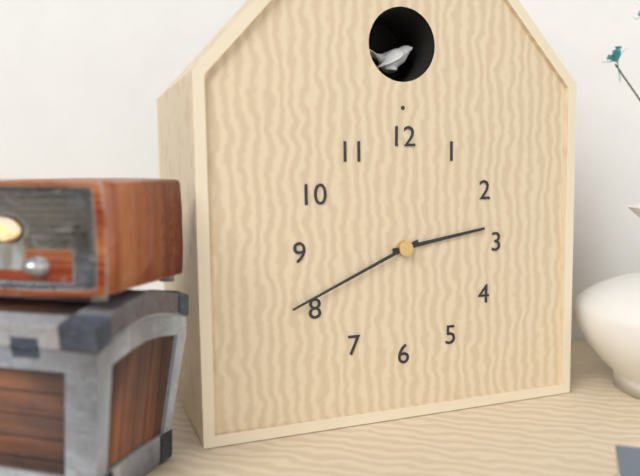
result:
2,41
